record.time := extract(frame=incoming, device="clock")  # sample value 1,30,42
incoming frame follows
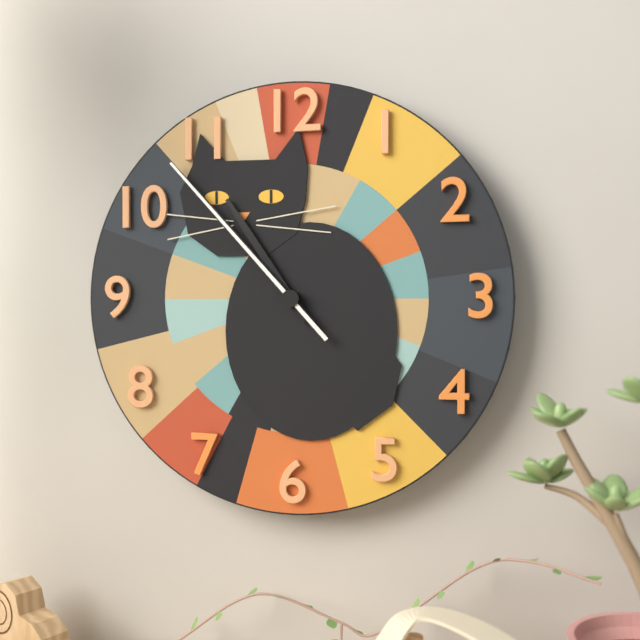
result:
10,53,53
